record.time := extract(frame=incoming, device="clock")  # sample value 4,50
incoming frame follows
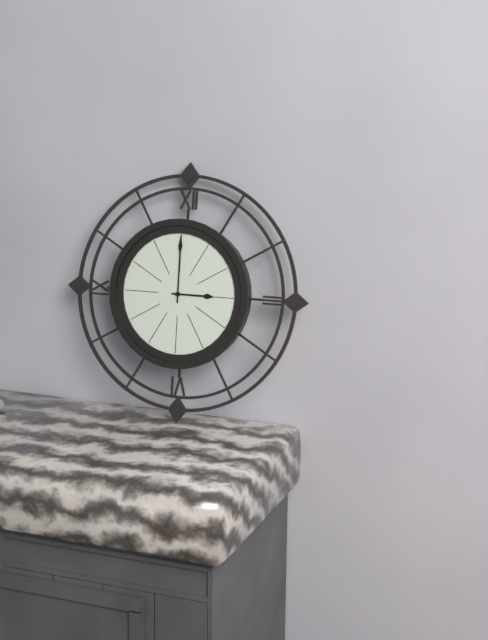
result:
3,00
